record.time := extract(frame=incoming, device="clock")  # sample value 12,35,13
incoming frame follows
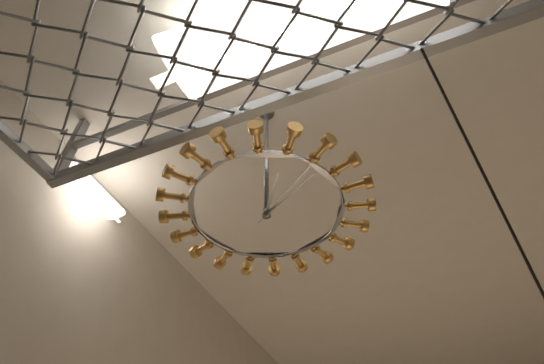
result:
1,09,10
